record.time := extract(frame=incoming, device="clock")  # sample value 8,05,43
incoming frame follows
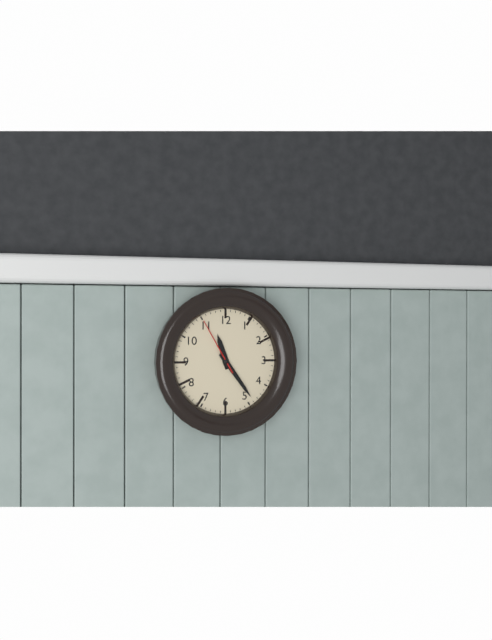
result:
11,24,55
